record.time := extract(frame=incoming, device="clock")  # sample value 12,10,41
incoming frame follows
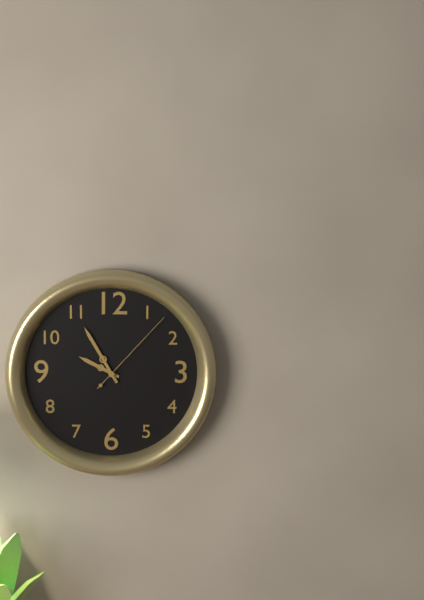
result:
9,55,07
